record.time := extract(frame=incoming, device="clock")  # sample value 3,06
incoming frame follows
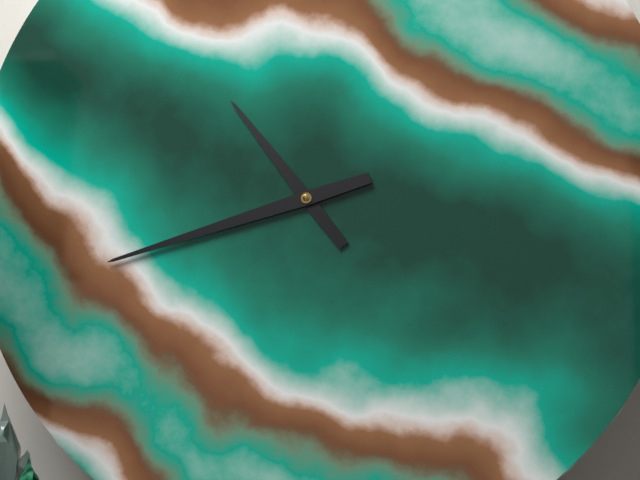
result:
10,42
